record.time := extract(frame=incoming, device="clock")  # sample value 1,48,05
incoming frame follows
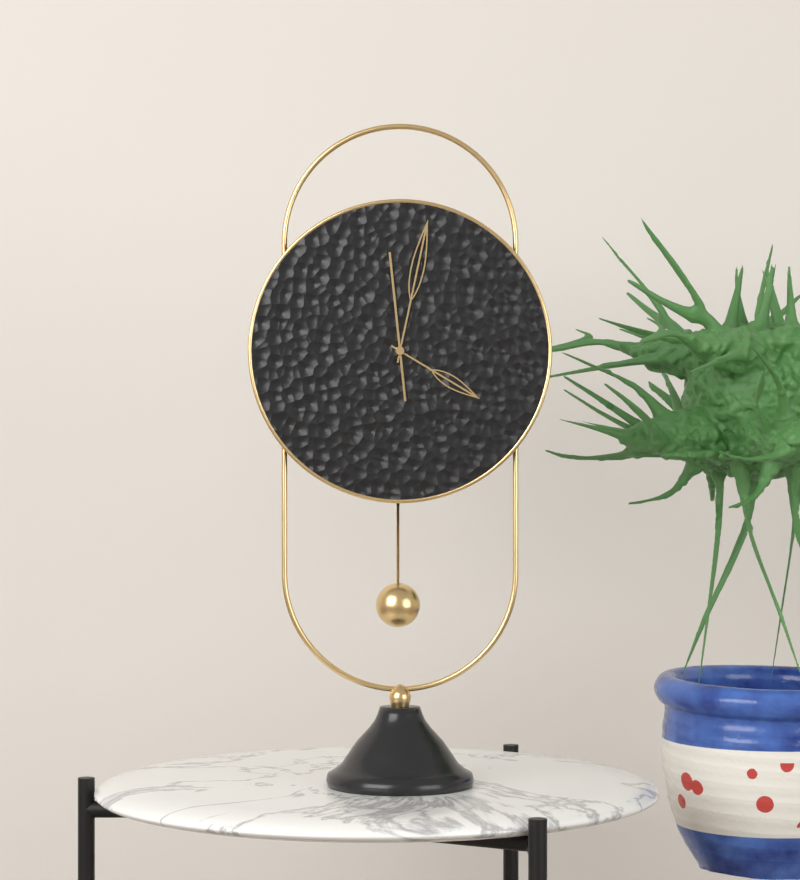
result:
4,02,59
